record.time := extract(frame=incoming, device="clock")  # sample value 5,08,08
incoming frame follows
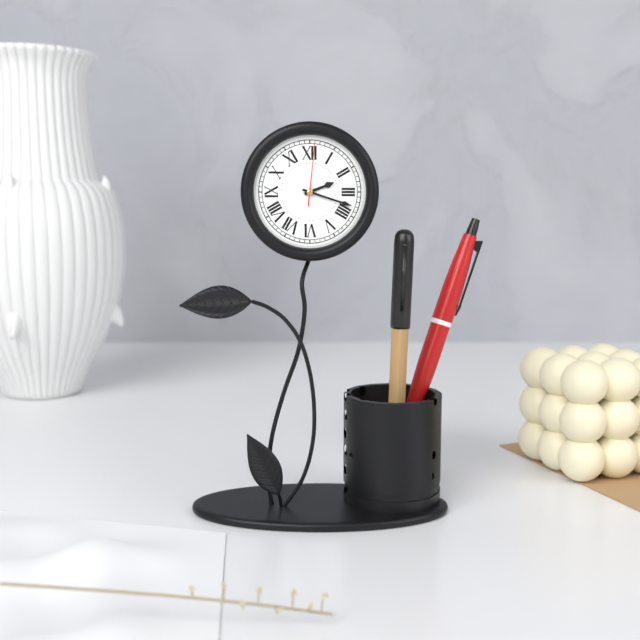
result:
2,18,01
